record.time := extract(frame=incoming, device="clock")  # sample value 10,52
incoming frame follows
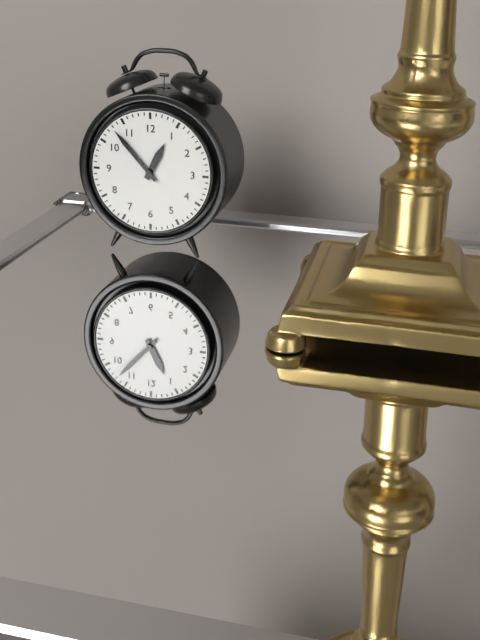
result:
12,53
